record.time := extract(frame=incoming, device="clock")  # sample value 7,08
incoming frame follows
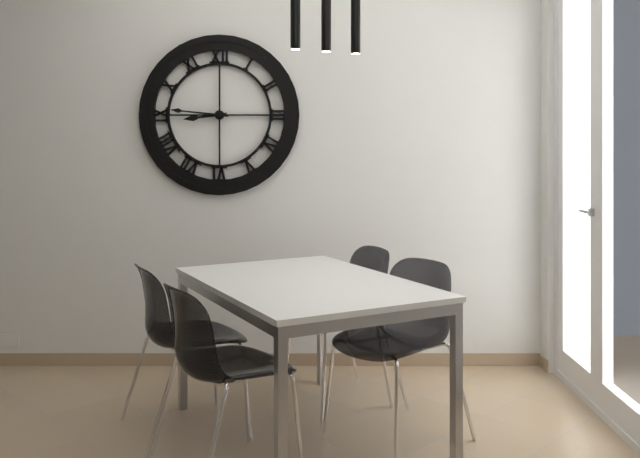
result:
8,46
